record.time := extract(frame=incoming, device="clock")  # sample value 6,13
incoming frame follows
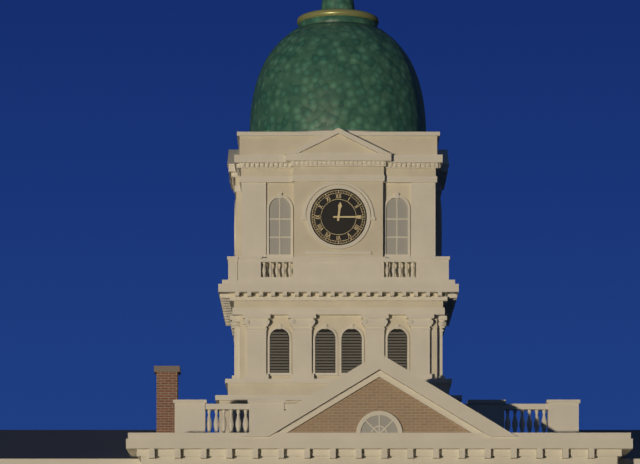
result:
12,15
